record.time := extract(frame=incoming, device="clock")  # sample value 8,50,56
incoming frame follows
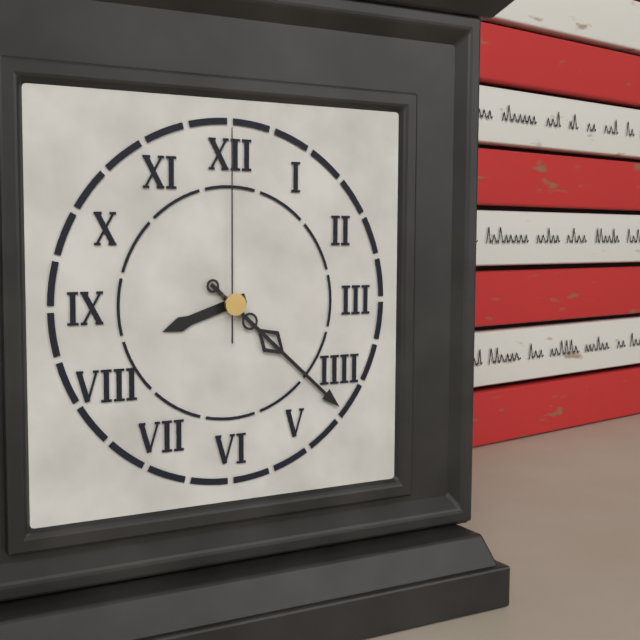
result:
8,22,00
